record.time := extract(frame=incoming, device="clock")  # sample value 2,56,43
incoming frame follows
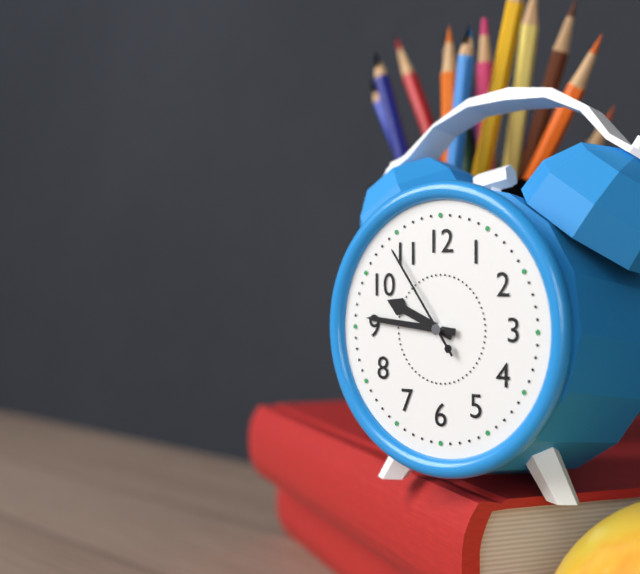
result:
9,46,54
